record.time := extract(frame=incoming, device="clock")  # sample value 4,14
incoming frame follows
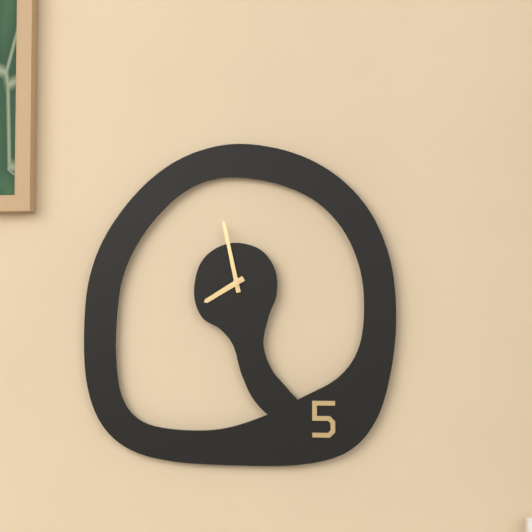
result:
7,58
